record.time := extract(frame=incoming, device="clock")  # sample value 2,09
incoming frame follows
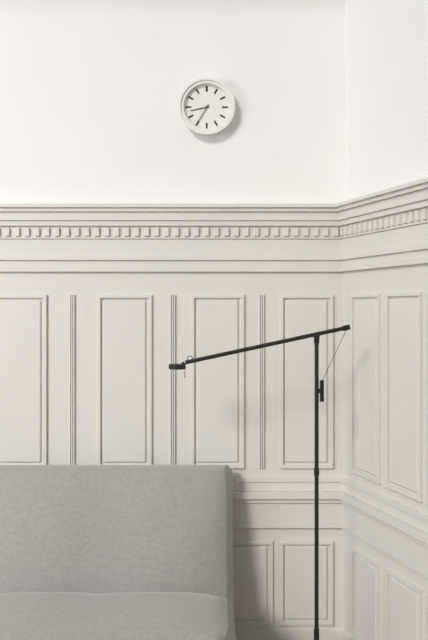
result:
8,35
